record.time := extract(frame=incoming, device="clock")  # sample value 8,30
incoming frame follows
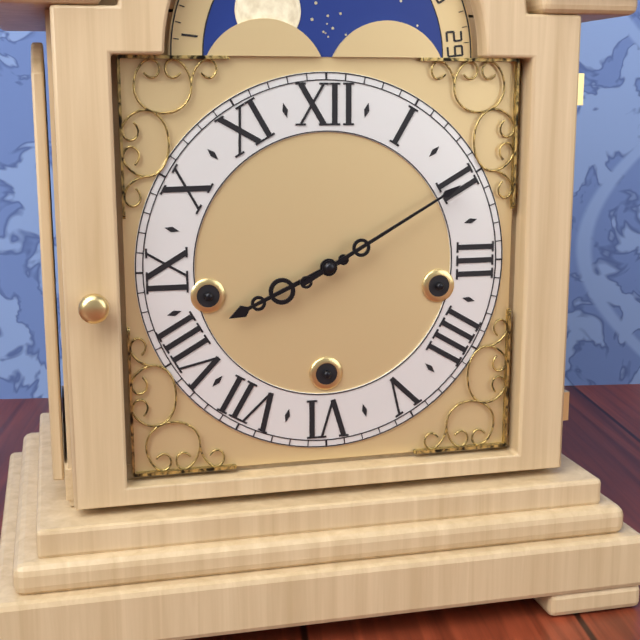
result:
8,10
